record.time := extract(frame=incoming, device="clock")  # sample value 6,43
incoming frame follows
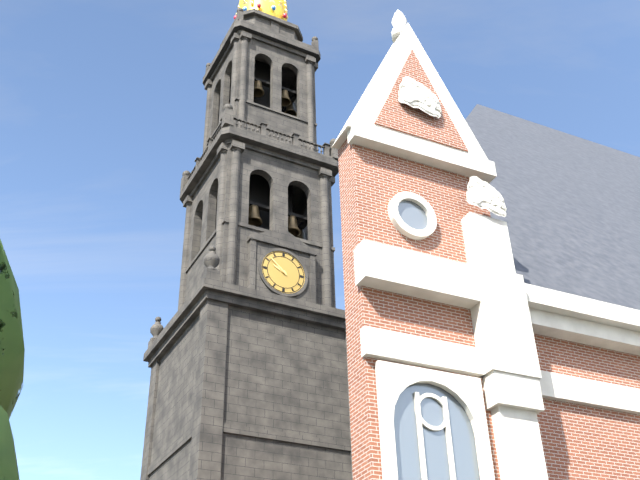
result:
9,52
